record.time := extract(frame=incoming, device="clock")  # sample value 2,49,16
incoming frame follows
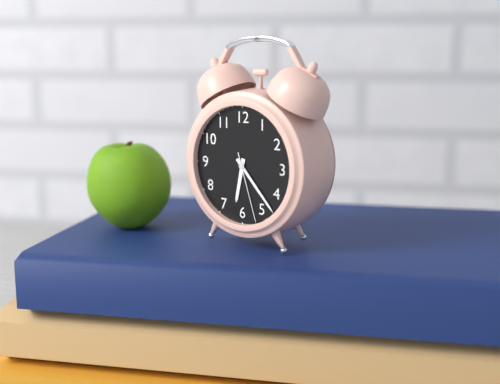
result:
6,23,27
